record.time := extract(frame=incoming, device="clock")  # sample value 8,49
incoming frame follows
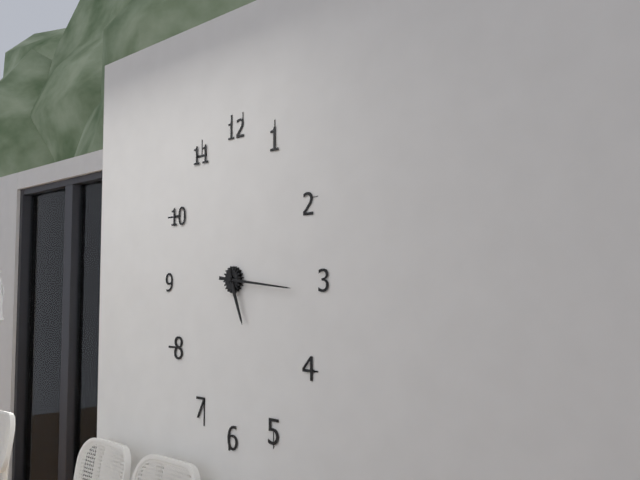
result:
5,16
